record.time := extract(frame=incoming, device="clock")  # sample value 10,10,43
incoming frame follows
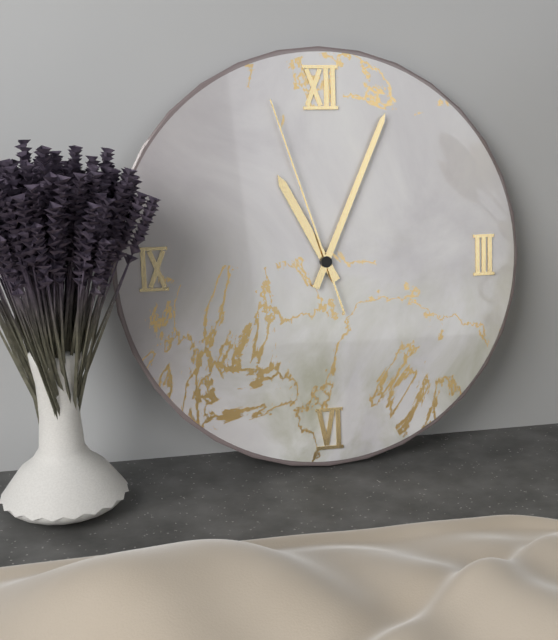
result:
11,04,57
